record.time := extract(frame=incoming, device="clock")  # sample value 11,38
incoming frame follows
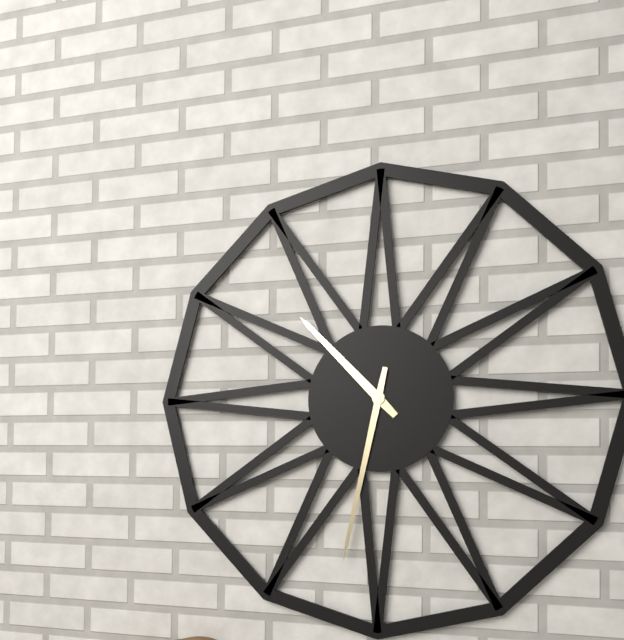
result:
10,32
